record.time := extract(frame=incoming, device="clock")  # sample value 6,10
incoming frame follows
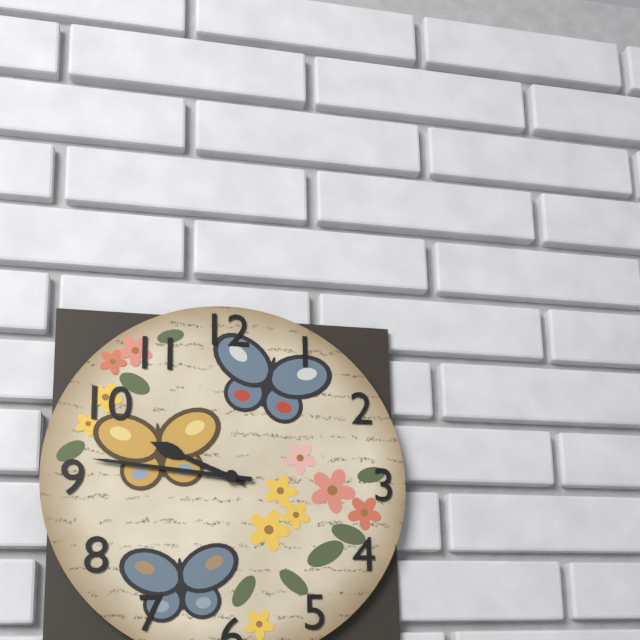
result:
9,46
